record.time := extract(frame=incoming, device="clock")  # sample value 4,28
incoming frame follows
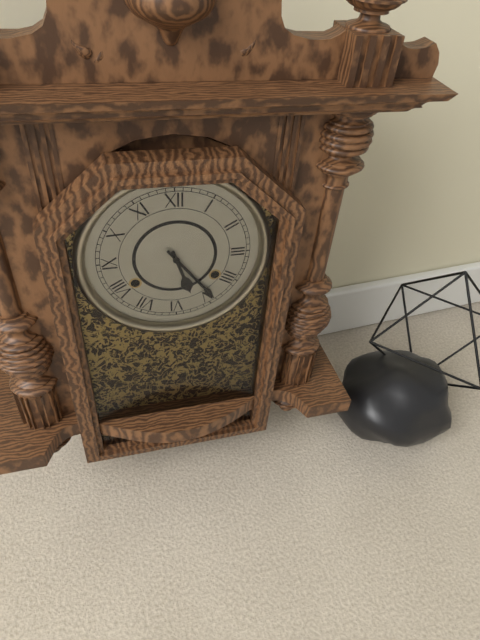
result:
5,24
